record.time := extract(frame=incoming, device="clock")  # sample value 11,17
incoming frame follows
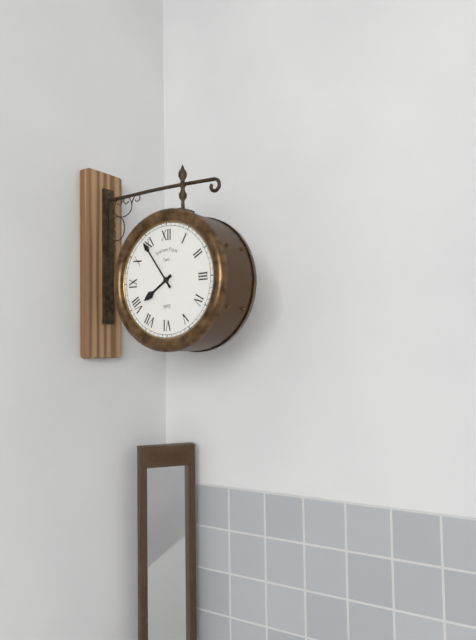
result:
7,54
